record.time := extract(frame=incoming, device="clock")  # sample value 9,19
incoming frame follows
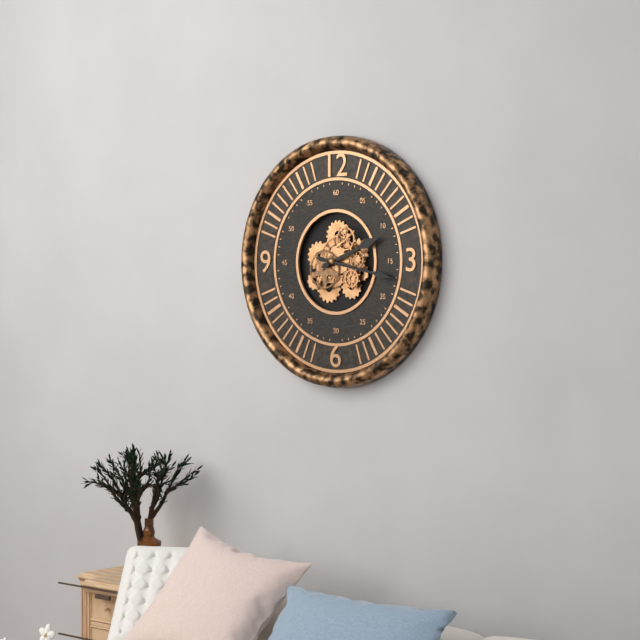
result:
2,17
